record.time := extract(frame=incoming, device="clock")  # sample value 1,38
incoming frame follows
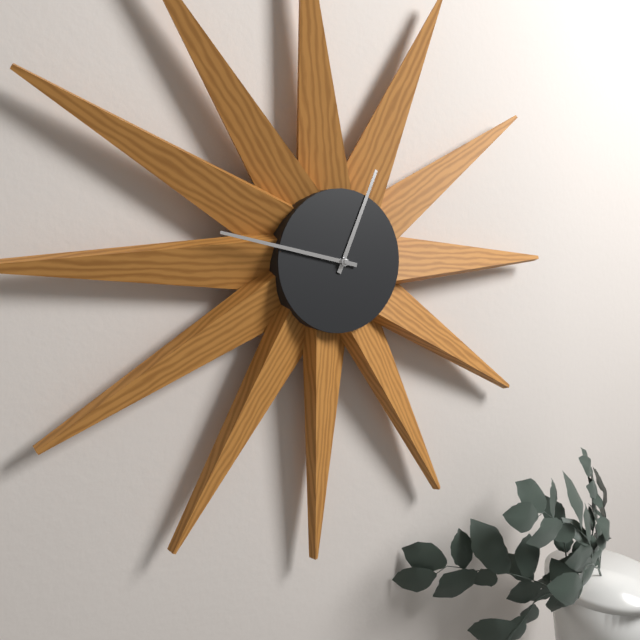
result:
12,47
